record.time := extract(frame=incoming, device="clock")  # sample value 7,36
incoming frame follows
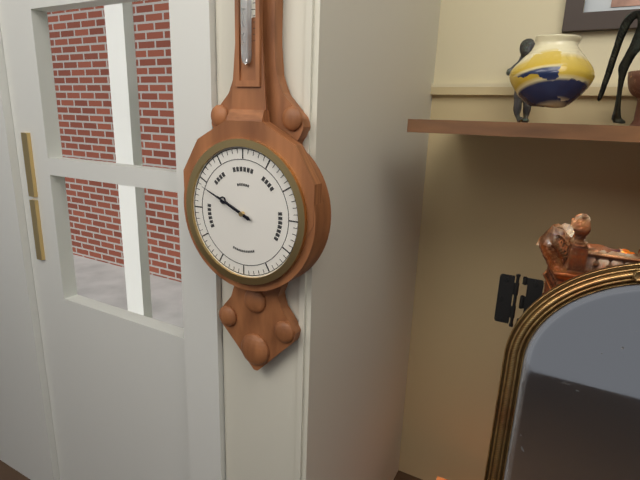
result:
9,49
